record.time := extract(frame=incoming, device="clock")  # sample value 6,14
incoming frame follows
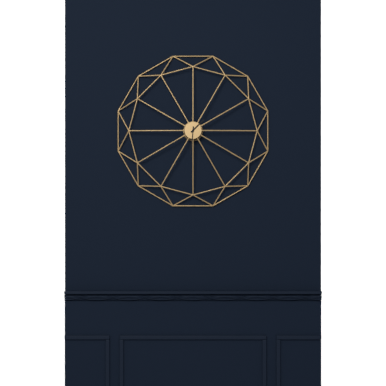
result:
1,31
